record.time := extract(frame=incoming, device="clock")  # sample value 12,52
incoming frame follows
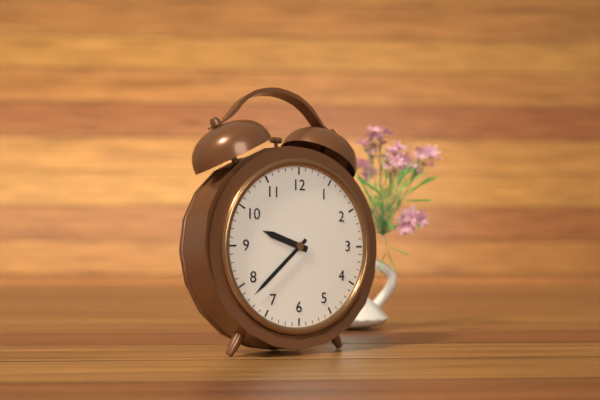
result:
9,38
